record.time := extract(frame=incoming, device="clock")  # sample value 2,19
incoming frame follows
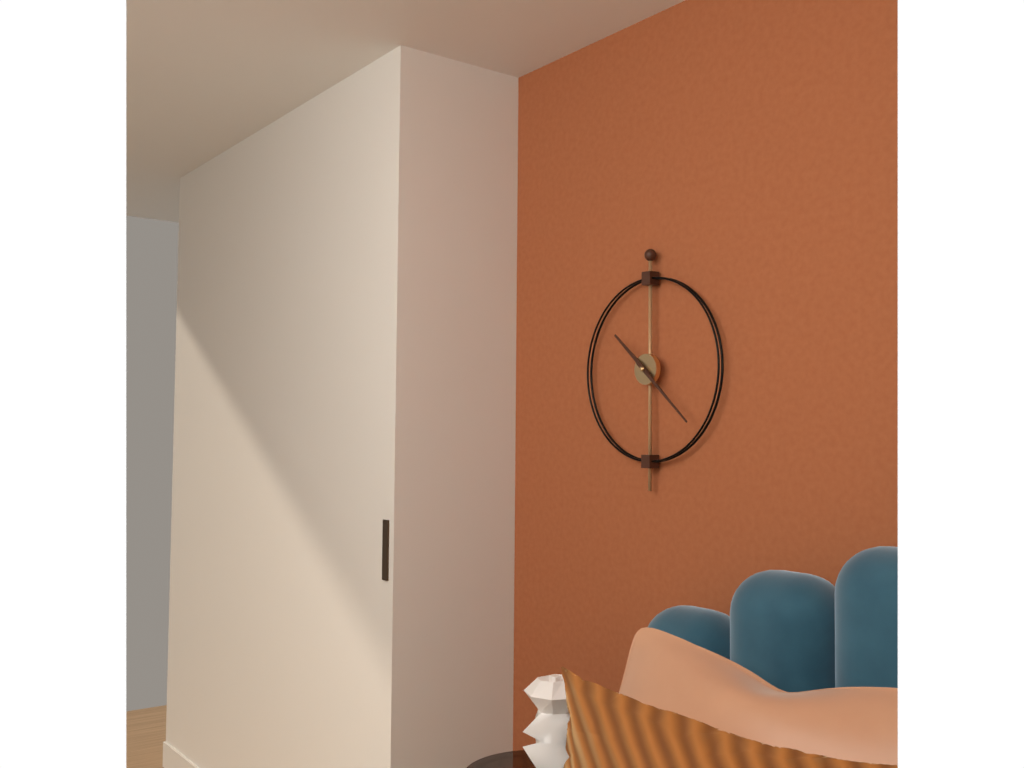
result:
10,22
